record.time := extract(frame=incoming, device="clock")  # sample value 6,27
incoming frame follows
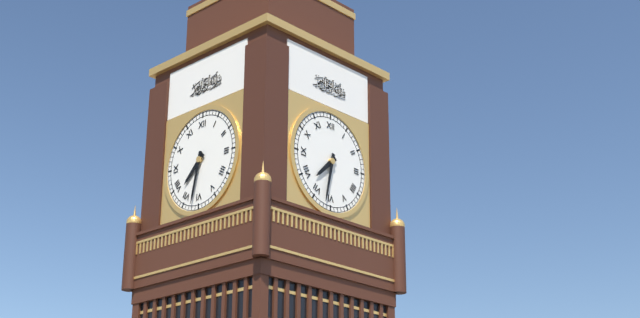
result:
7,32
